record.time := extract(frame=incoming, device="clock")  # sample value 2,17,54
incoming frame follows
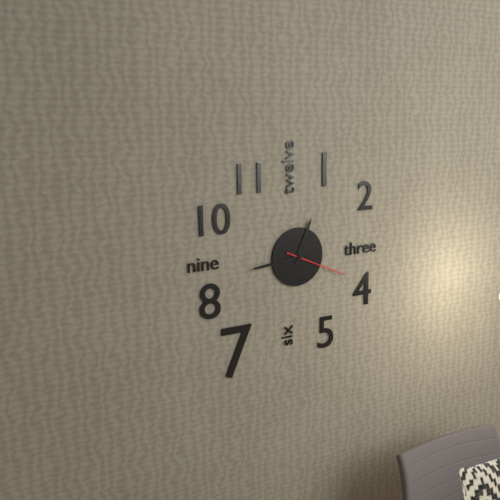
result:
12,44,19
